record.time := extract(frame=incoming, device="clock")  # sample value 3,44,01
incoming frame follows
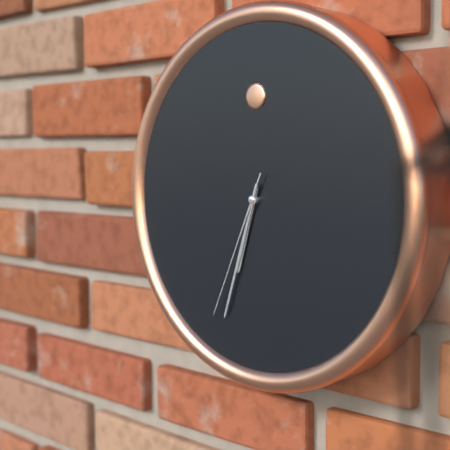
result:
6,33,34
